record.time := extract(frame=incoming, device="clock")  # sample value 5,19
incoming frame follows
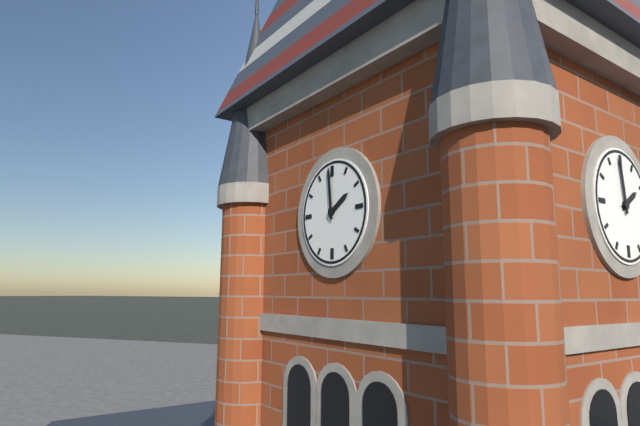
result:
1,59
